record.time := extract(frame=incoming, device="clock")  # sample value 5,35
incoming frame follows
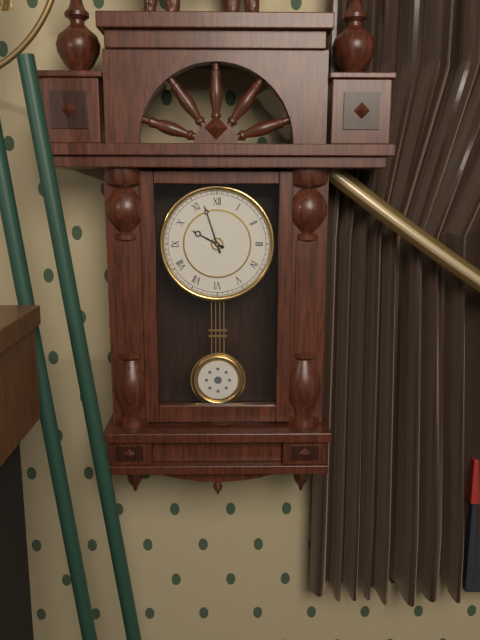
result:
9,57
